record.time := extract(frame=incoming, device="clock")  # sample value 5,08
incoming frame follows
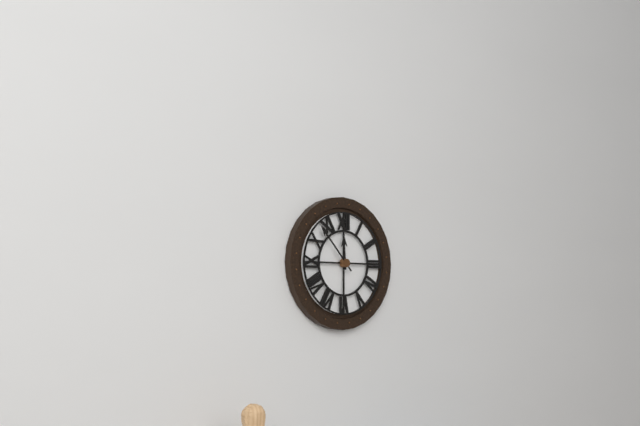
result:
11,53
